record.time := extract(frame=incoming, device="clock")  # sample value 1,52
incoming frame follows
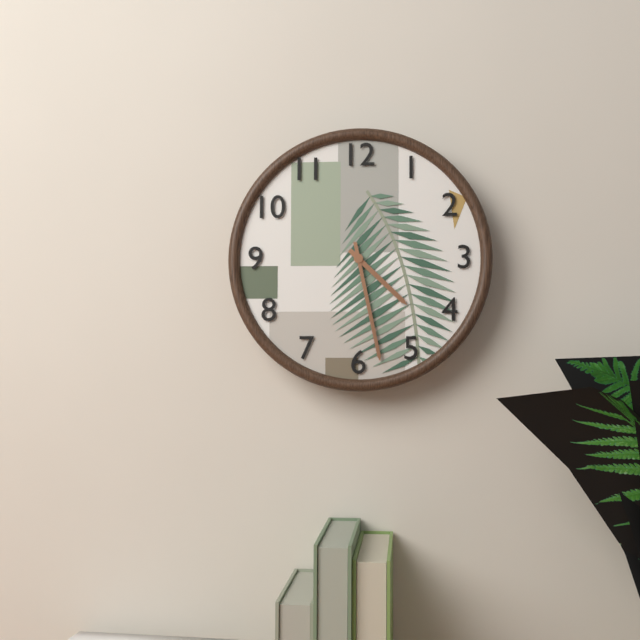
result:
4,28
